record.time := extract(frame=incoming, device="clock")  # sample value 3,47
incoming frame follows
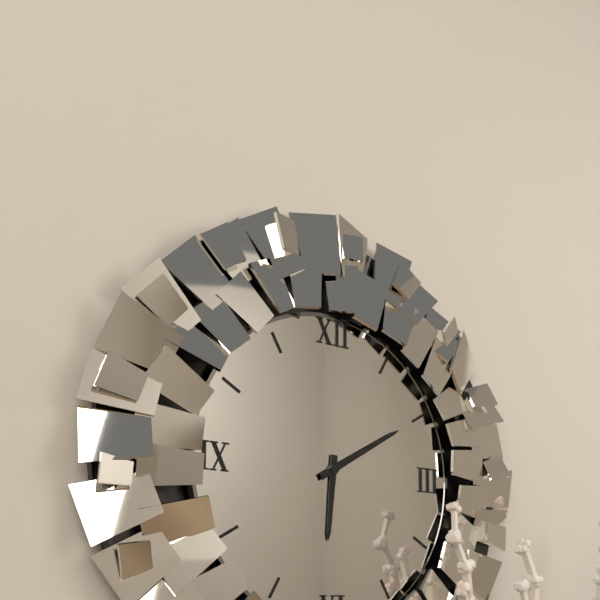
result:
6,10
